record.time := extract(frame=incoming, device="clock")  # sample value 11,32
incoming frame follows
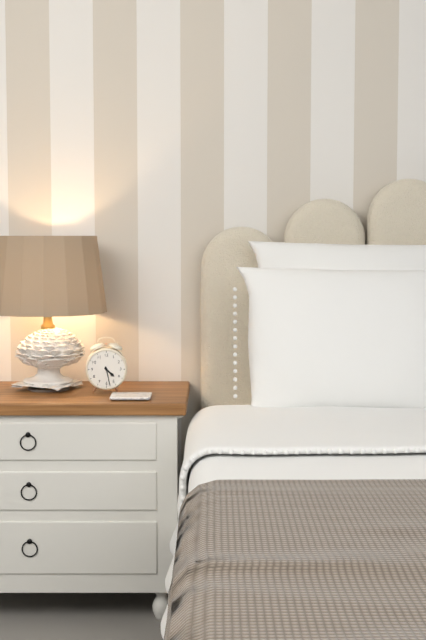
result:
4,28
